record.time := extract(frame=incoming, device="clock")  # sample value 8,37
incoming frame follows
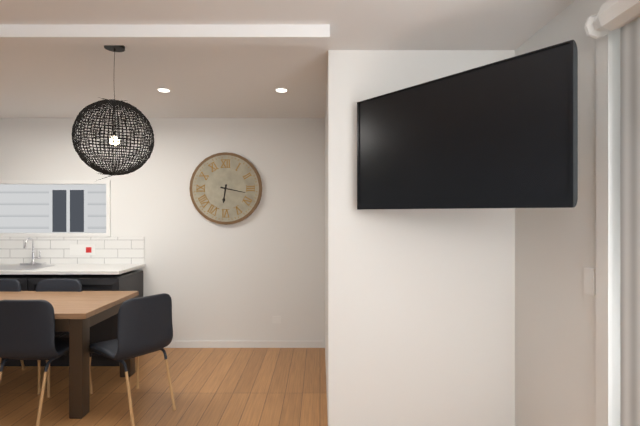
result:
6,17
